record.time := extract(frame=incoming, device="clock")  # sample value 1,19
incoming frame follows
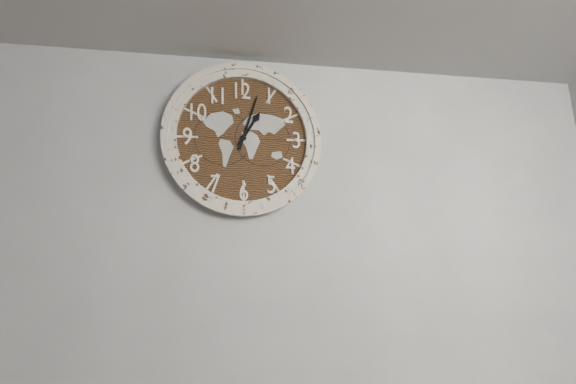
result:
1,03
